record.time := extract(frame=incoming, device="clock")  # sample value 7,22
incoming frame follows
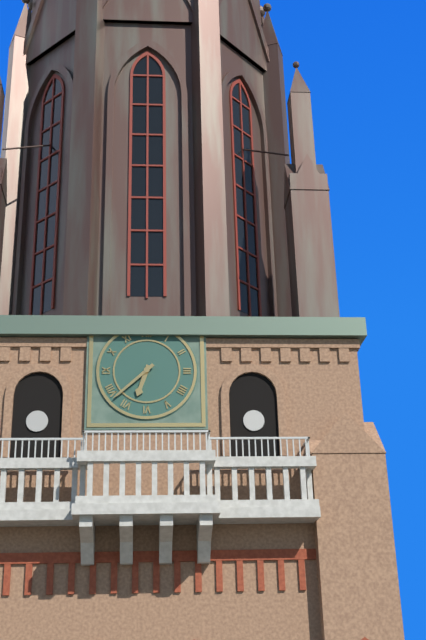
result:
6,38
